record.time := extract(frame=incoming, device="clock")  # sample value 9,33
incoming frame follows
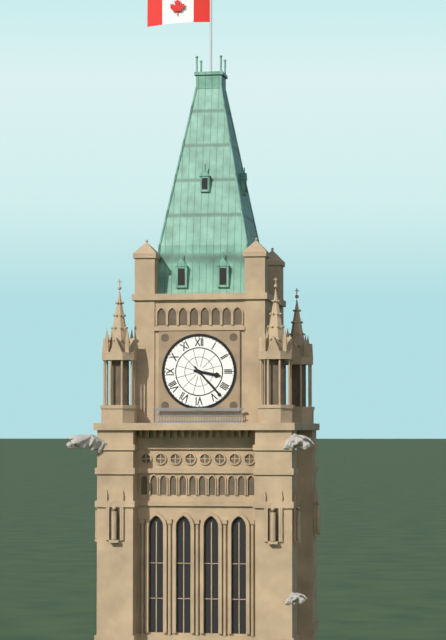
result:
3,23
